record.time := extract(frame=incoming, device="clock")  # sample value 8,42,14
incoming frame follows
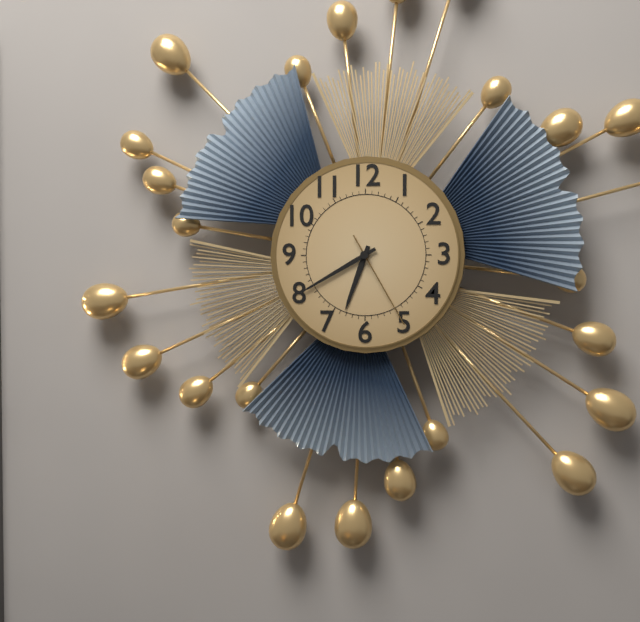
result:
6,40,25
